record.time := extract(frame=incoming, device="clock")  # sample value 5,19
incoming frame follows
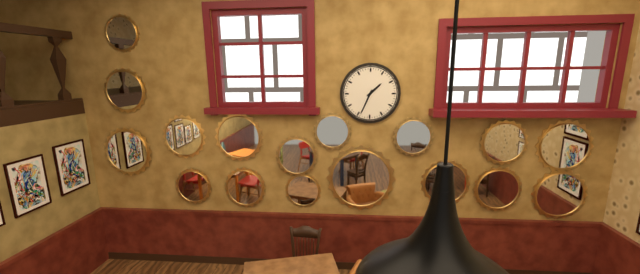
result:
1,34
